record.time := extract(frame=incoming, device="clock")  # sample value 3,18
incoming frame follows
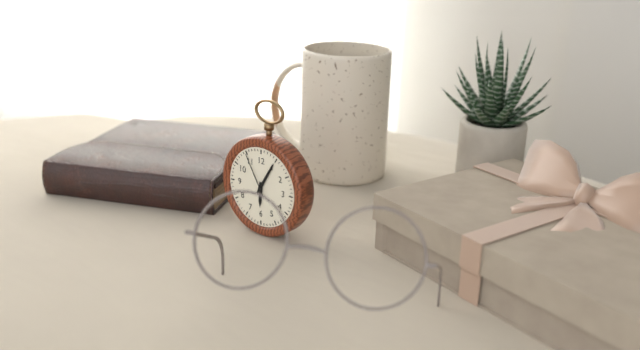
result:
6,05
